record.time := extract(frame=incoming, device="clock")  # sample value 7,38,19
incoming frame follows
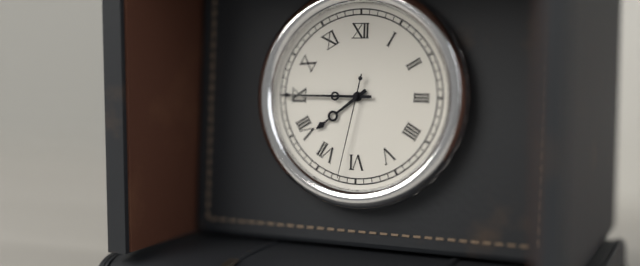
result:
7,45,32
